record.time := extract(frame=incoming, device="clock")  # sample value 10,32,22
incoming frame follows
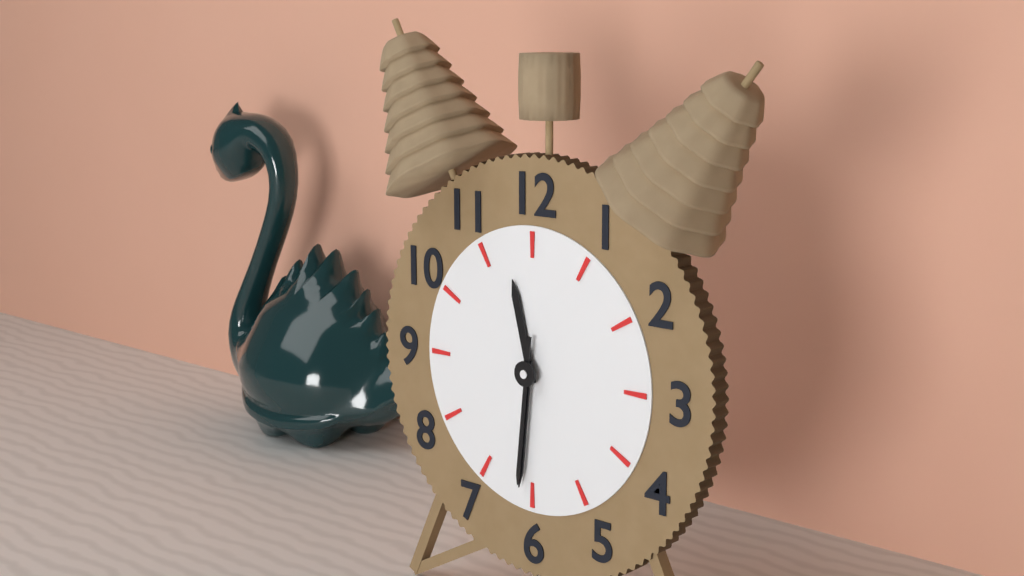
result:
11,31,31
